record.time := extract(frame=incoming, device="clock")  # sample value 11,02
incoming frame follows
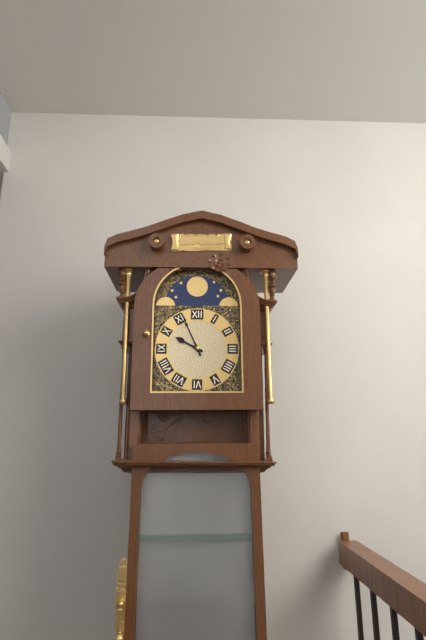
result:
9,56
